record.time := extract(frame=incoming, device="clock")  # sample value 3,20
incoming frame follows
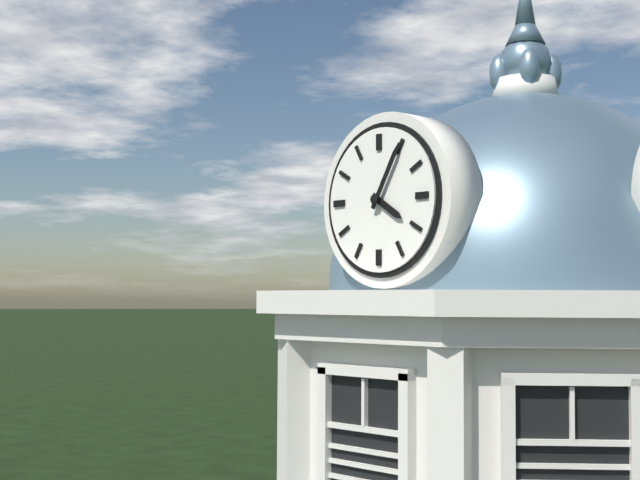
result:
4,05
